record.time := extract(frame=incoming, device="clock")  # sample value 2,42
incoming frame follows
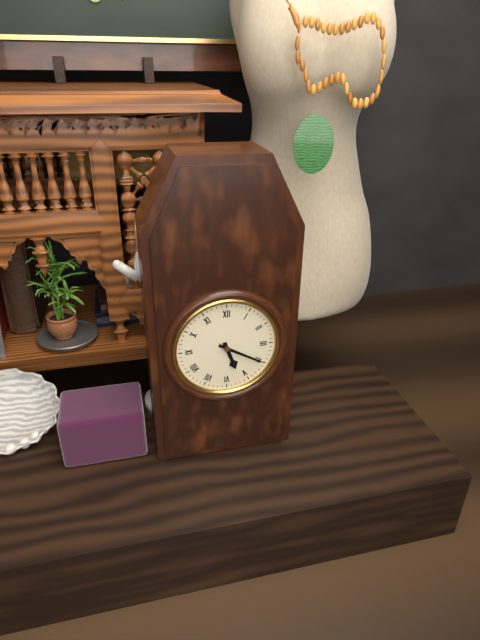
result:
5,20
